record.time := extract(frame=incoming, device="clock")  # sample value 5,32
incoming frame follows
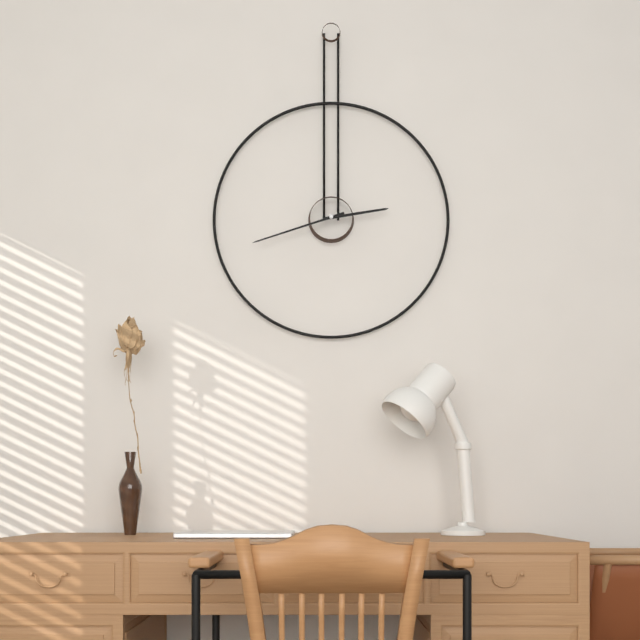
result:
2,42
